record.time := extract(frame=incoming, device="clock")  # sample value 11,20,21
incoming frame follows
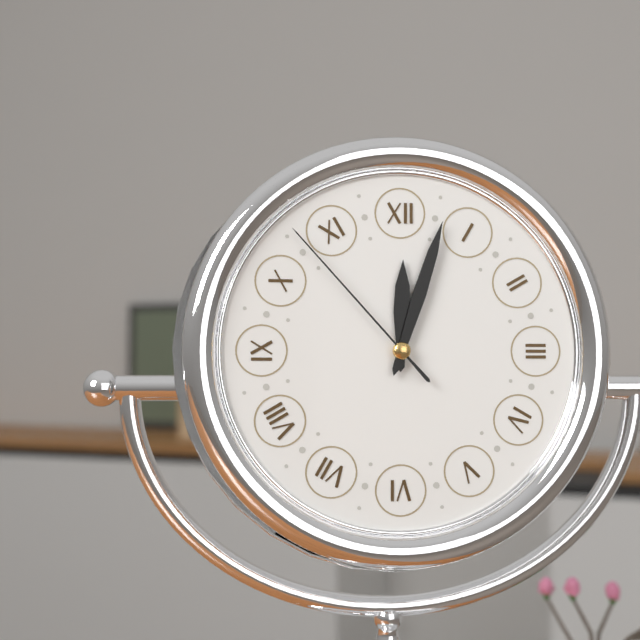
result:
12,03,53
